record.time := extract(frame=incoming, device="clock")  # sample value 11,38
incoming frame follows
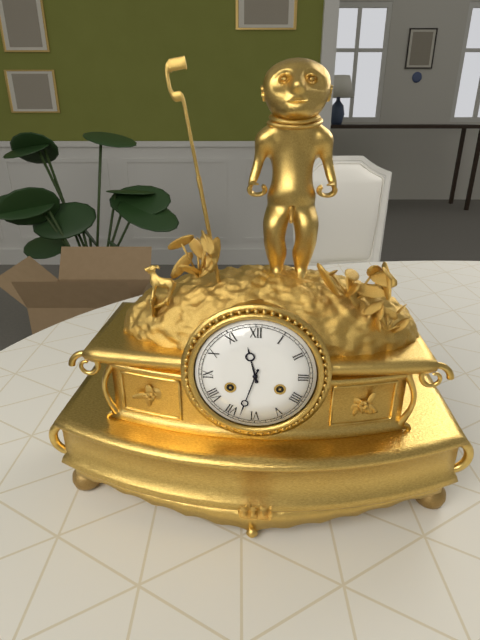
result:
11,33
